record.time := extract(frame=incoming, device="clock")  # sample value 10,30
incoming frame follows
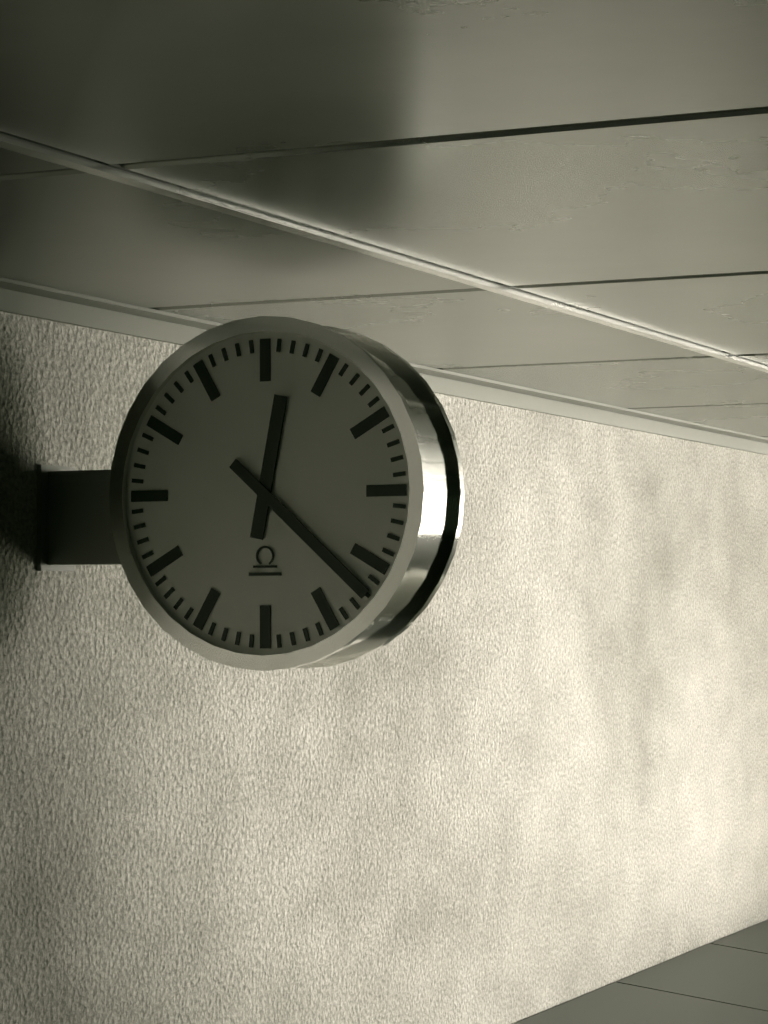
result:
12,22
